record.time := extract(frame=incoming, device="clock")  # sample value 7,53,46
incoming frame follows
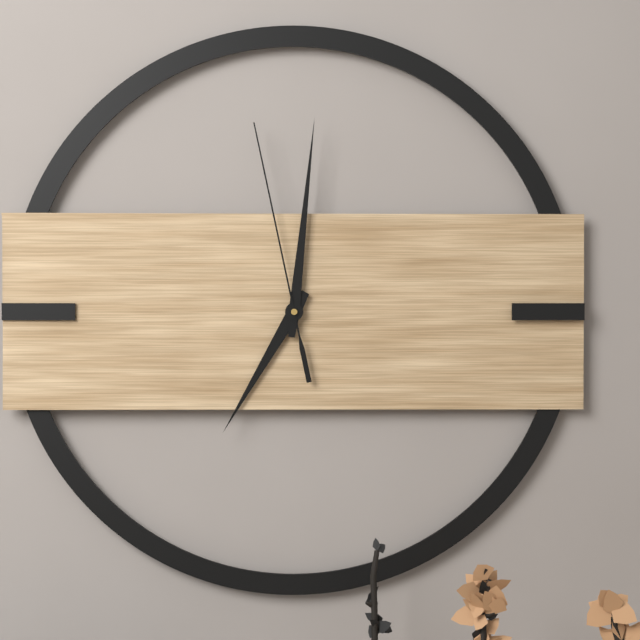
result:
7,01,58
